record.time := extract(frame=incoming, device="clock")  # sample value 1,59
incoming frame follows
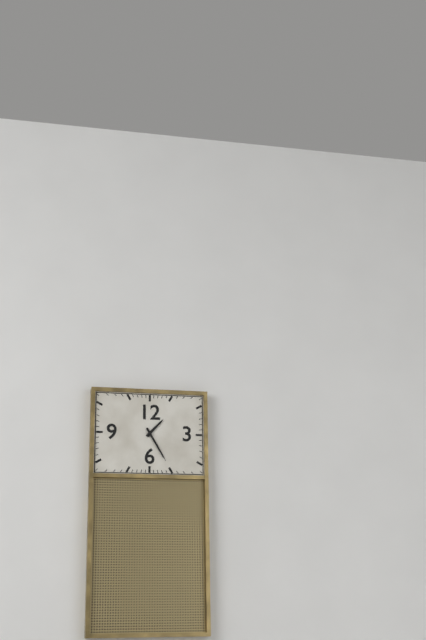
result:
1,25
